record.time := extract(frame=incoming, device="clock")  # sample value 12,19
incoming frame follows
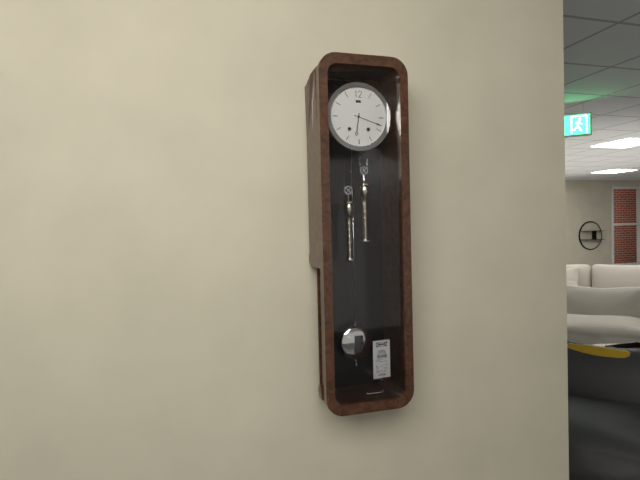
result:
6,18
